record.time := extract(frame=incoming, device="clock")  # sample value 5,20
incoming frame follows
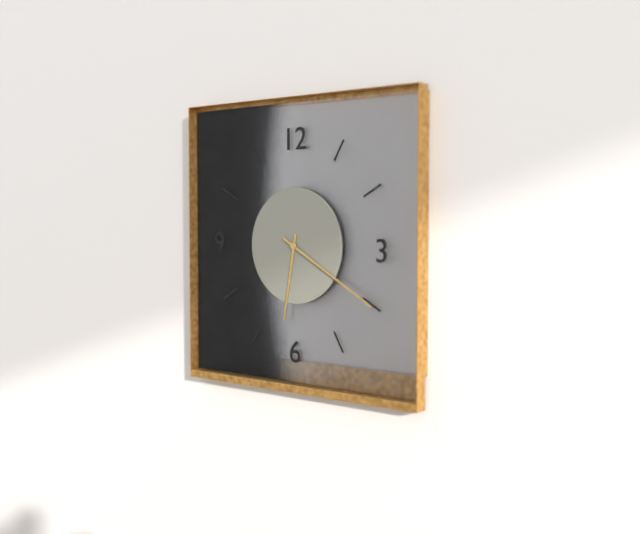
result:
6,20
